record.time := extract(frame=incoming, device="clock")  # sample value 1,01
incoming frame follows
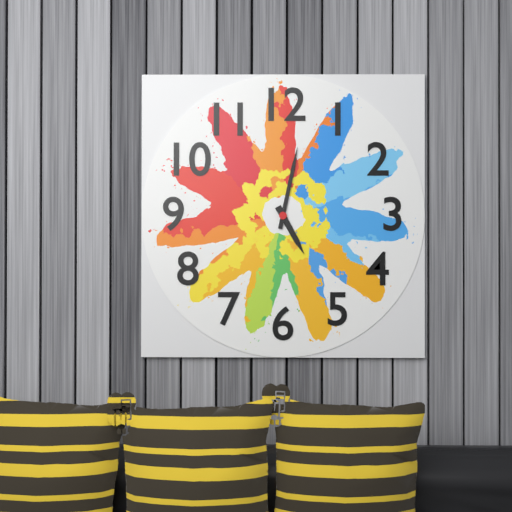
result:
5,02
